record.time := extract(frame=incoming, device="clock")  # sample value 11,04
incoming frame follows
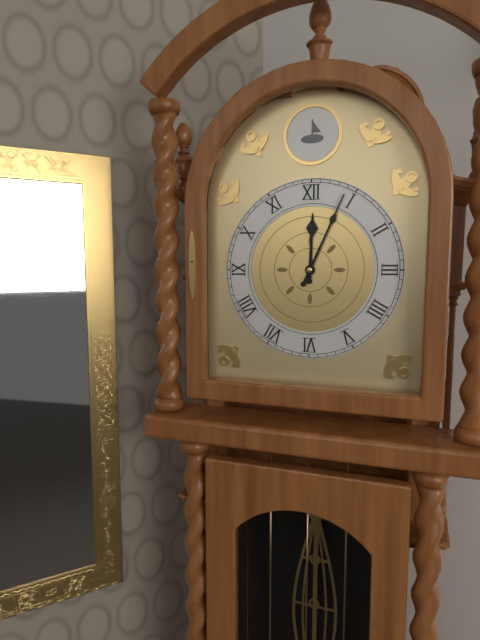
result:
12,04
